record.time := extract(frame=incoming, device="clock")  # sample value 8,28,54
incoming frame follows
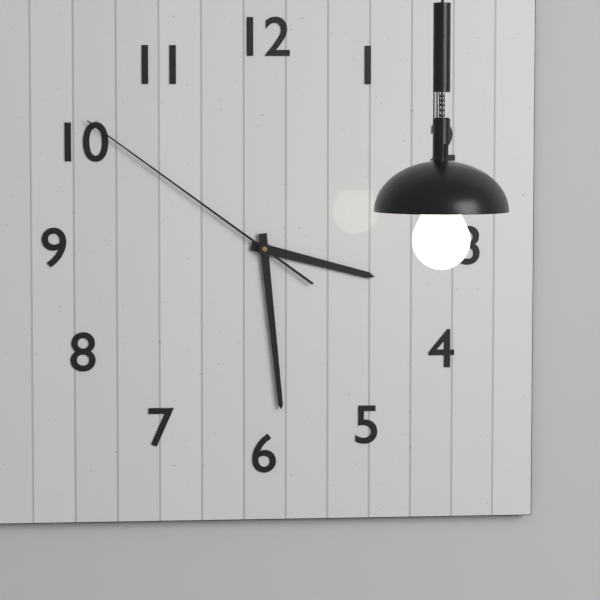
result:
3,29,51
